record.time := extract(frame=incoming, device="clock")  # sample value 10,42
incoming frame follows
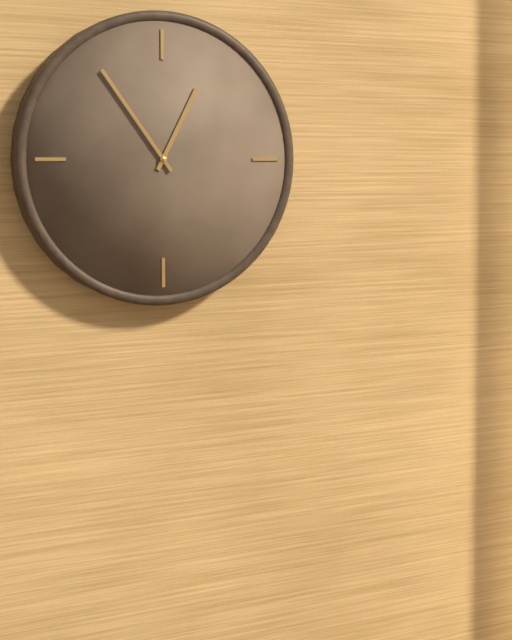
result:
12,54
